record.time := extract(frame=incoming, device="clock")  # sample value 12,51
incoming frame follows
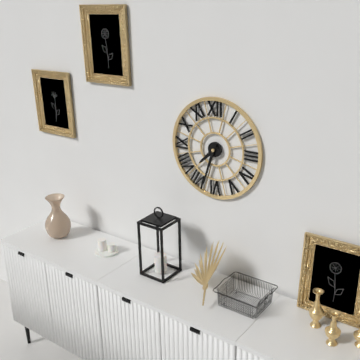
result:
7,33
